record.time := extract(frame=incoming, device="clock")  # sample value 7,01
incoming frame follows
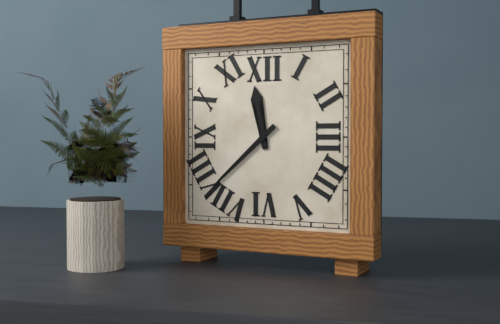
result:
11,38
